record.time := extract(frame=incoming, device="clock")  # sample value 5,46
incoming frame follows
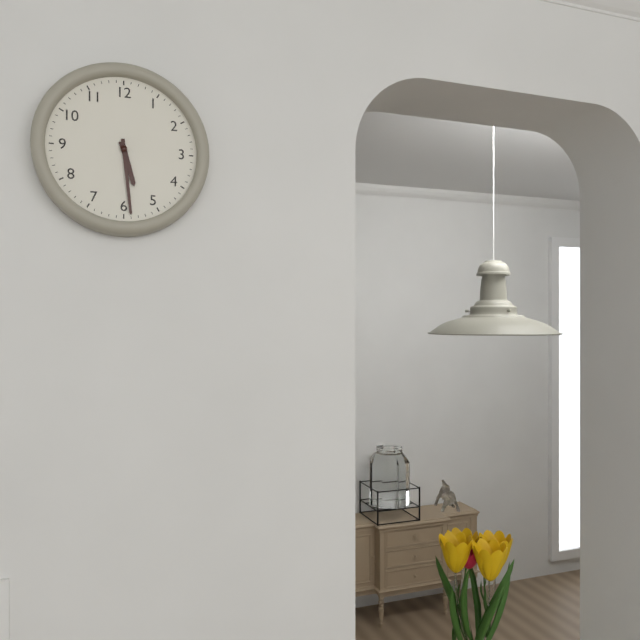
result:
5,29
